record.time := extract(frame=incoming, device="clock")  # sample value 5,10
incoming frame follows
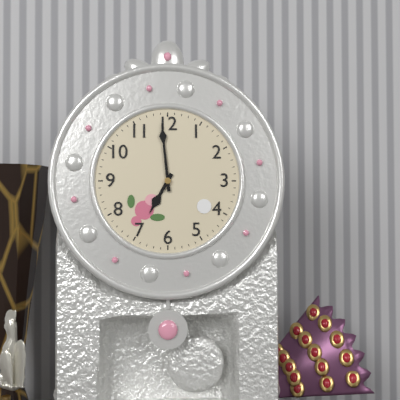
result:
6,59
